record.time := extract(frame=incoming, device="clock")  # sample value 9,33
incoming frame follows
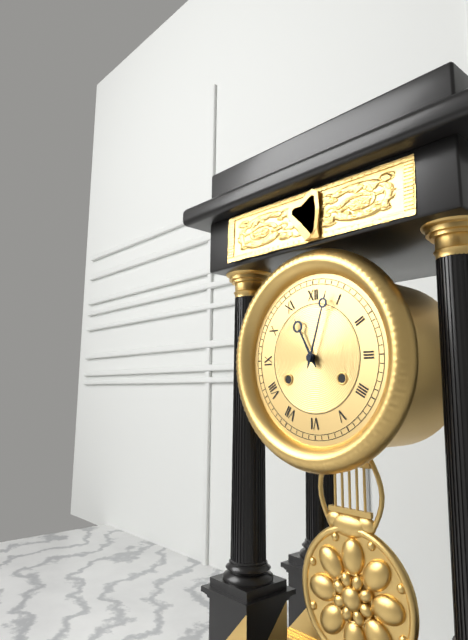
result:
11,03
